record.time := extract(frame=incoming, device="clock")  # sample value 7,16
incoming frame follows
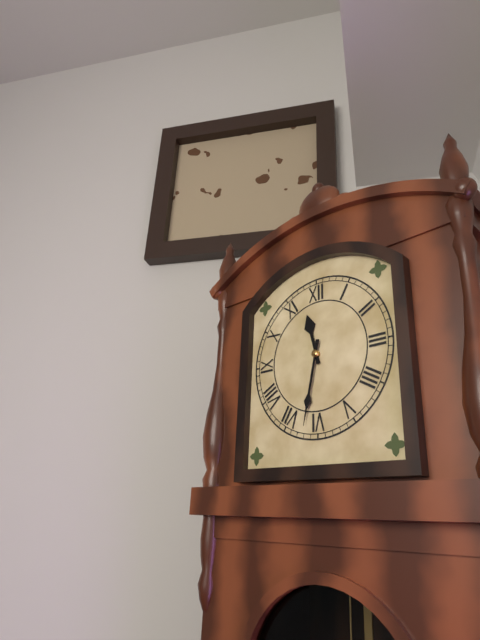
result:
11,32
